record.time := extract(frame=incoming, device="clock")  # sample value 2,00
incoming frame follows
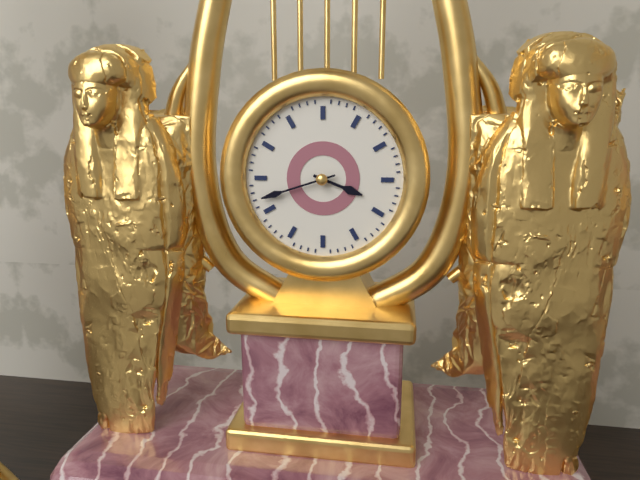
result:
3,42
